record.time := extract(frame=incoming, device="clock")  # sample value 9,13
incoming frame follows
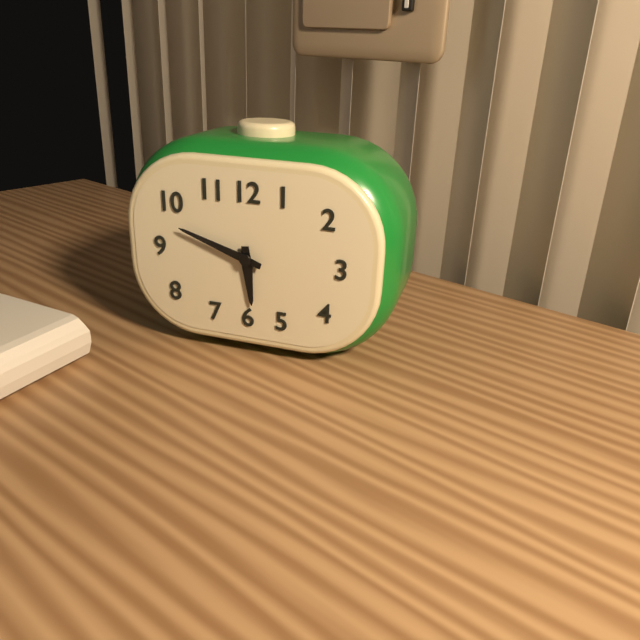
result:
5,48
